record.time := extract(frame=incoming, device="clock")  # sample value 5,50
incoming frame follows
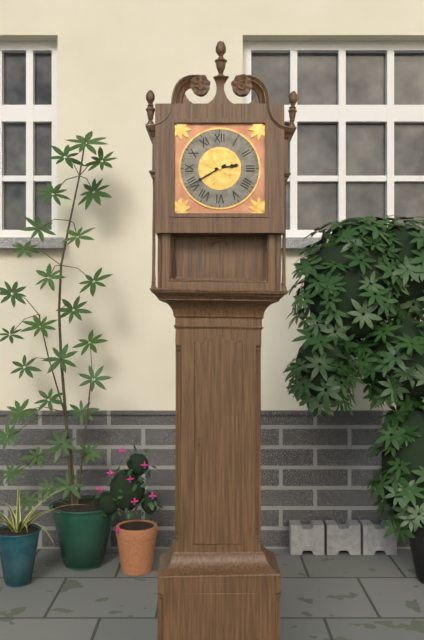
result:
2,40
